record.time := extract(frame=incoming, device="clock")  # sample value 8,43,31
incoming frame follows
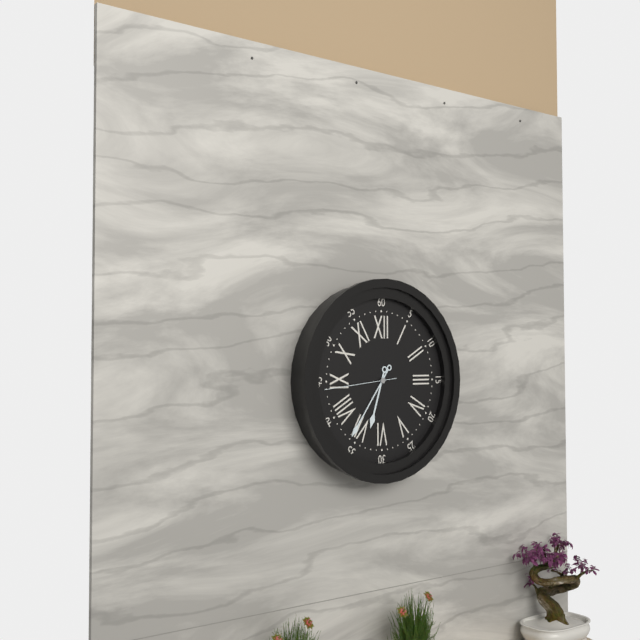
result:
6,36,44
